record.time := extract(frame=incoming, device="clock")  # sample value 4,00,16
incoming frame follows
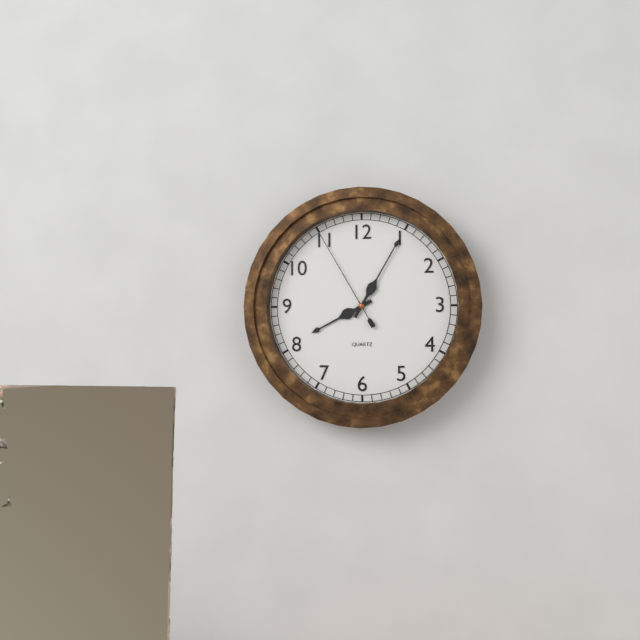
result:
8,05,55
